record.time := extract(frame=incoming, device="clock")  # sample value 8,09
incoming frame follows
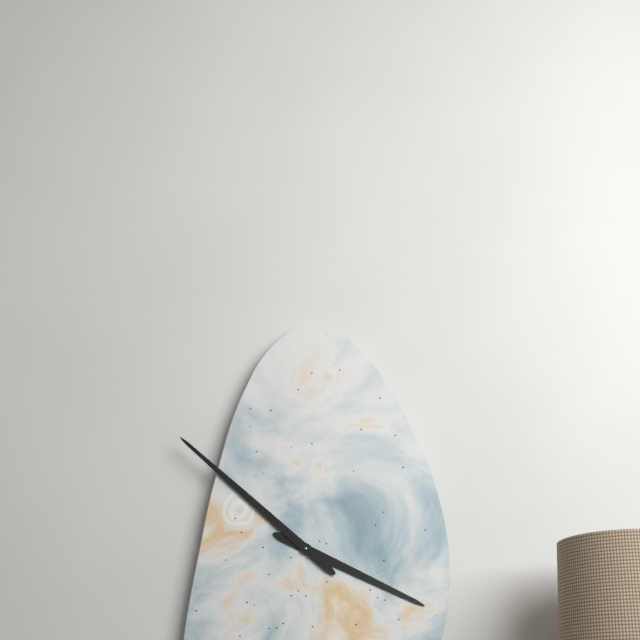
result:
3,52
